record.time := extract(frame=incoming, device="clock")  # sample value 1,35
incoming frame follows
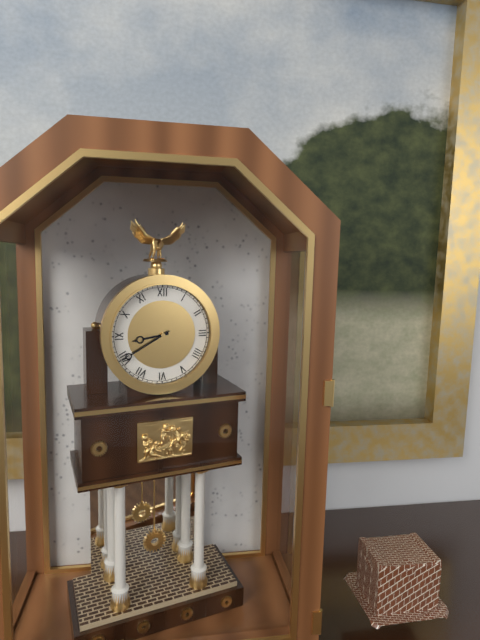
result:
8,40
